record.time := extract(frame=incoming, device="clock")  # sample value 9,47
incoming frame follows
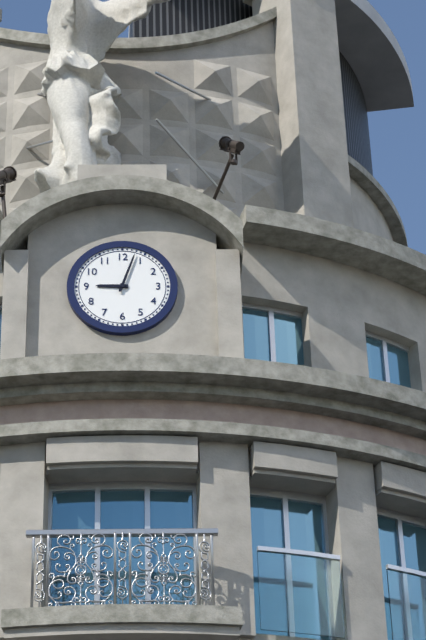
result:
9,03
